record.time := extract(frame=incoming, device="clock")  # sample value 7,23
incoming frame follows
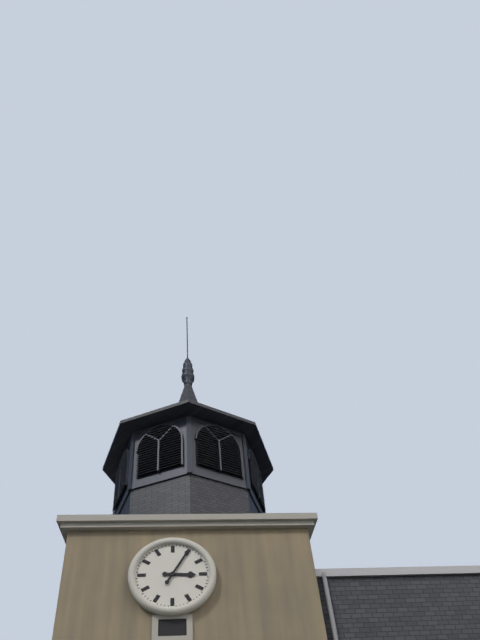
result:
3,05
